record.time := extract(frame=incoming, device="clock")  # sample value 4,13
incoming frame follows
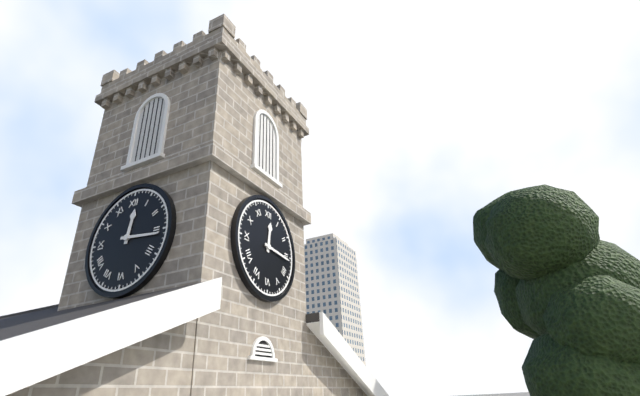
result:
12,16
